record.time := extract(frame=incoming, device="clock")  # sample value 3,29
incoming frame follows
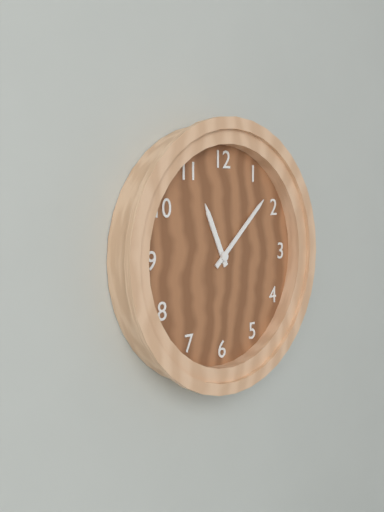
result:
11,08
